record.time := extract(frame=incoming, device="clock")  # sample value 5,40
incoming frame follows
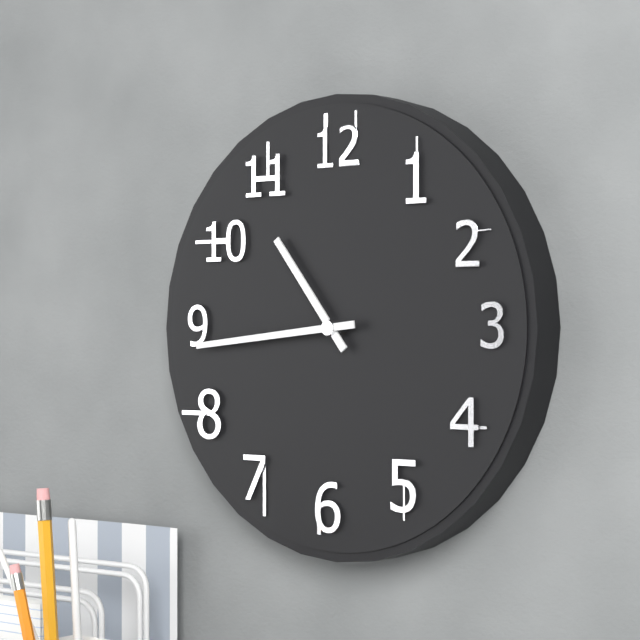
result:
10,44
